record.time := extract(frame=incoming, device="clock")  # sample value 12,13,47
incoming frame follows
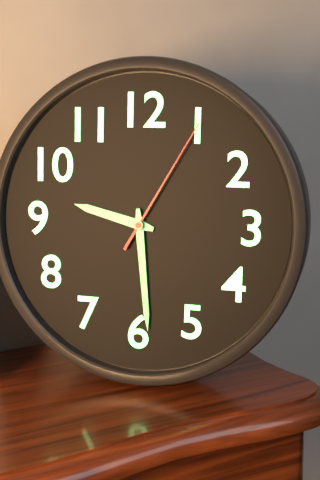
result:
9,29,05
